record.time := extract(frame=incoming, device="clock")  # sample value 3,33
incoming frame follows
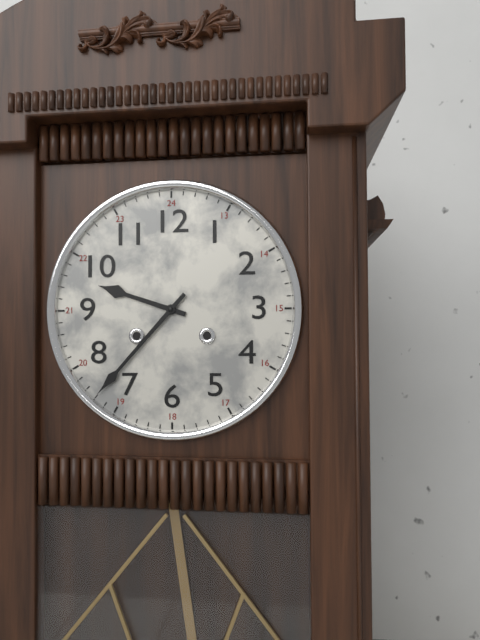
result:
9,37
